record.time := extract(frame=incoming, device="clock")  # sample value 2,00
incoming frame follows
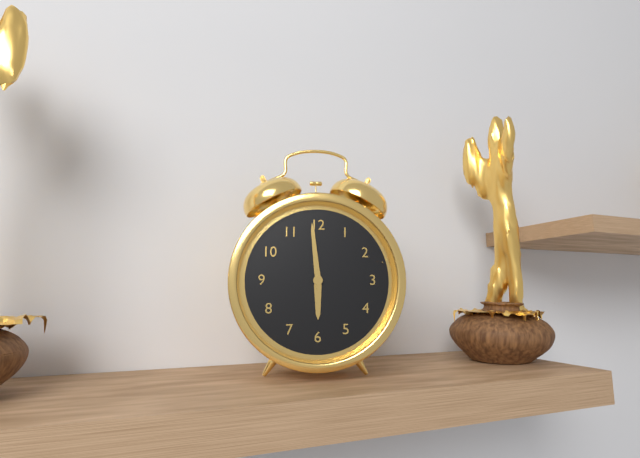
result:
5,59
